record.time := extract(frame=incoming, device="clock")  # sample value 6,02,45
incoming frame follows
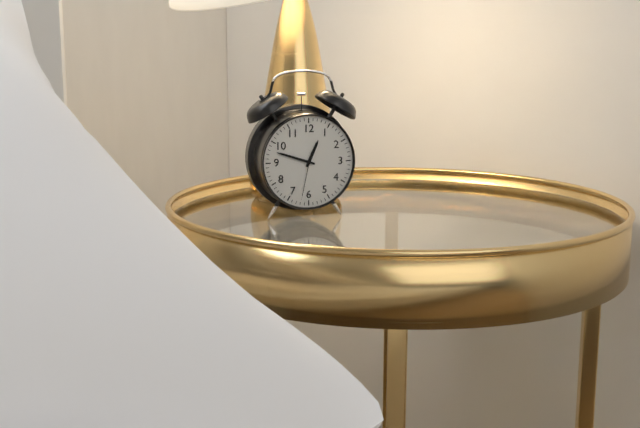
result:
12,48,32
